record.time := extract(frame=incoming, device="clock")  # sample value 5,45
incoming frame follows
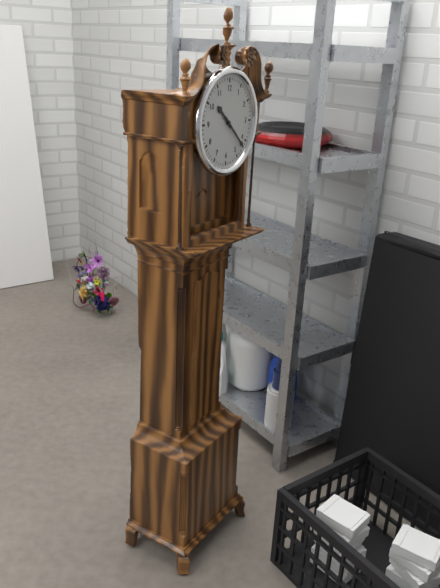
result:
10,22
